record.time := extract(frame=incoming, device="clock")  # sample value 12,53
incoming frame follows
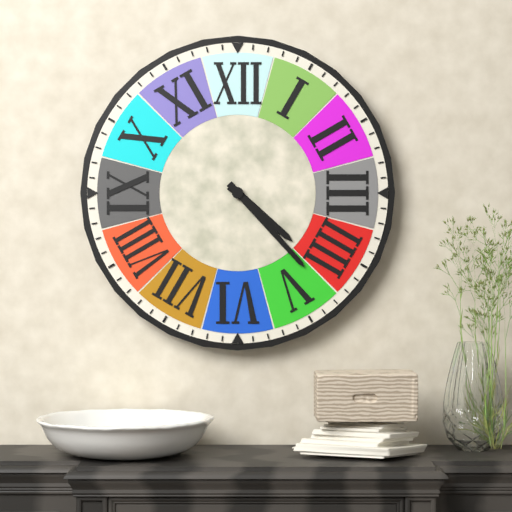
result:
4,23
